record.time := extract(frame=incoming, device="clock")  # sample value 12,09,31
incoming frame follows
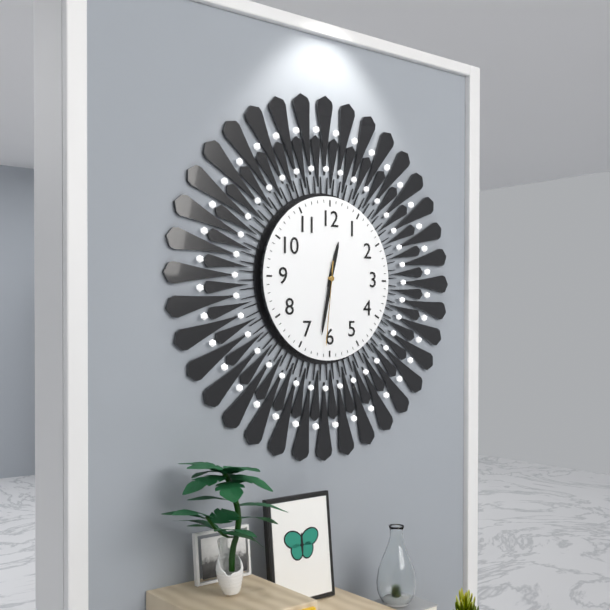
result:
12,32,31
